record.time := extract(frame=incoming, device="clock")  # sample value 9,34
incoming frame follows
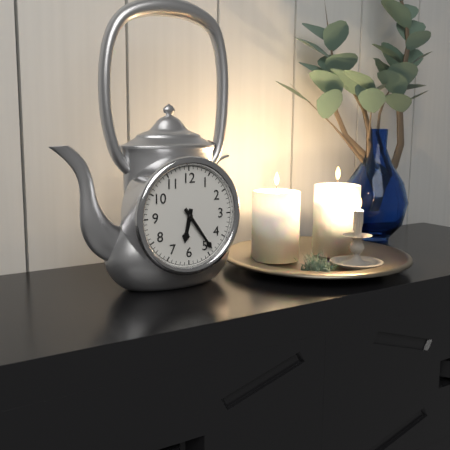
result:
6,24
